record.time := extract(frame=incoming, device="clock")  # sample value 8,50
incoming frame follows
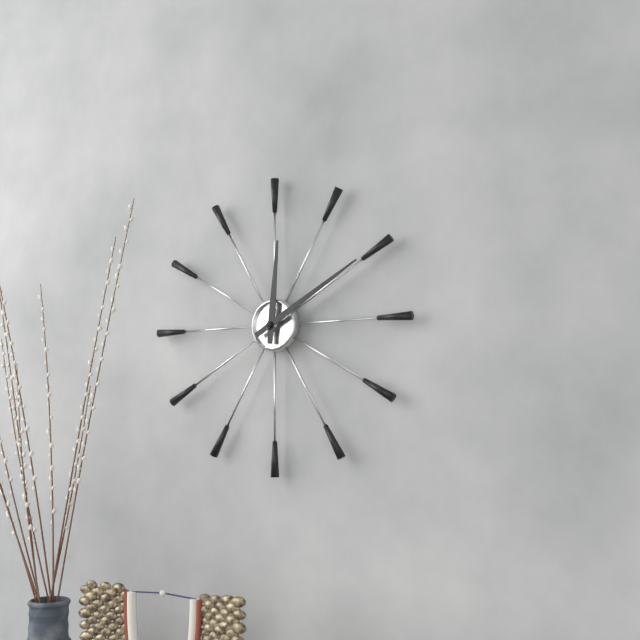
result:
12,10
